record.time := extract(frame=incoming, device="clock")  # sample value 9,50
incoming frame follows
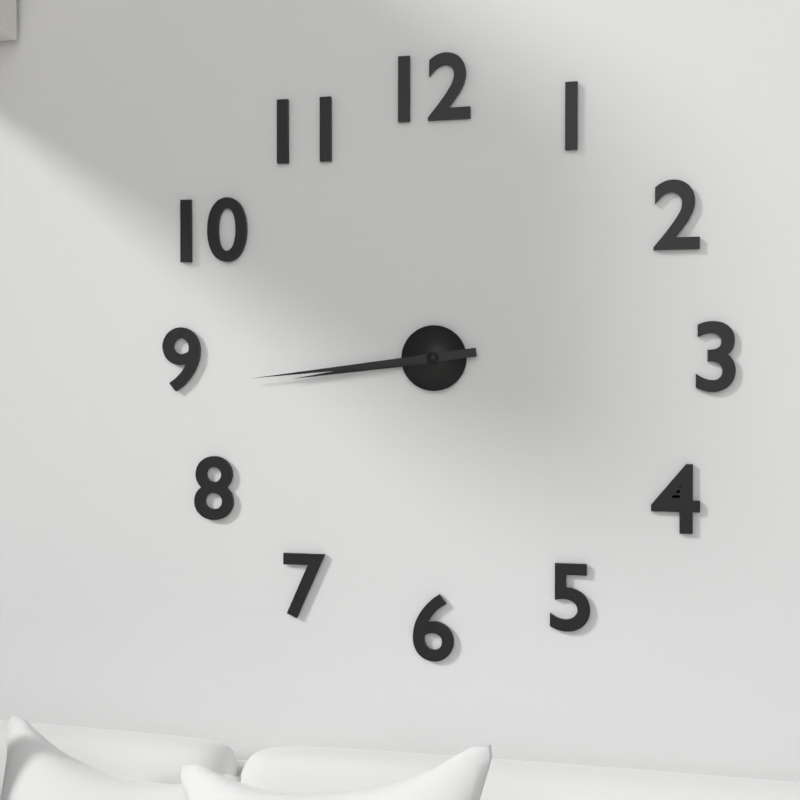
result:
8,44
